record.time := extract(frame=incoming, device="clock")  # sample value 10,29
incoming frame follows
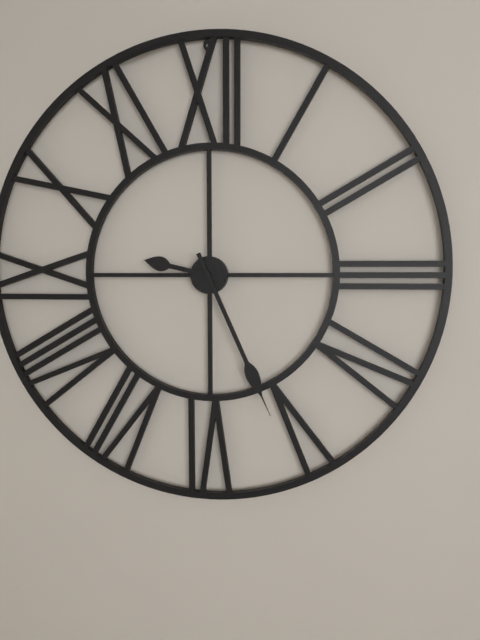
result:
9,26
